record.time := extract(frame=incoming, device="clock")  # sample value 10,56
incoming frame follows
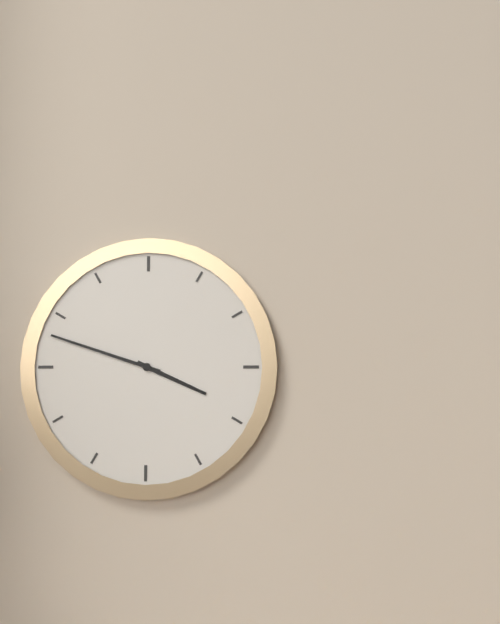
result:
3,48
